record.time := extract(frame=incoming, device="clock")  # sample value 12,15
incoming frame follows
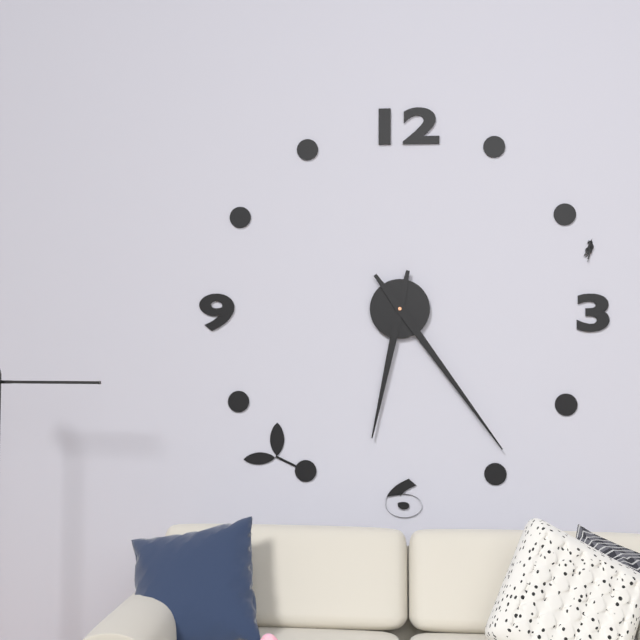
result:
6,24
